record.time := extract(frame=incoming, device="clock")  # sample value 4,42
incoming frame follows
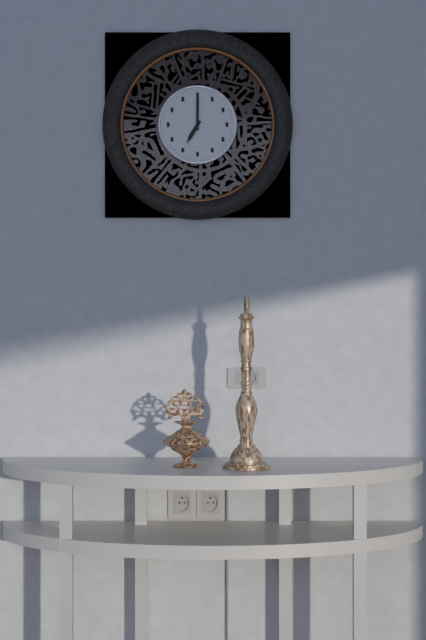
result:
7,00
